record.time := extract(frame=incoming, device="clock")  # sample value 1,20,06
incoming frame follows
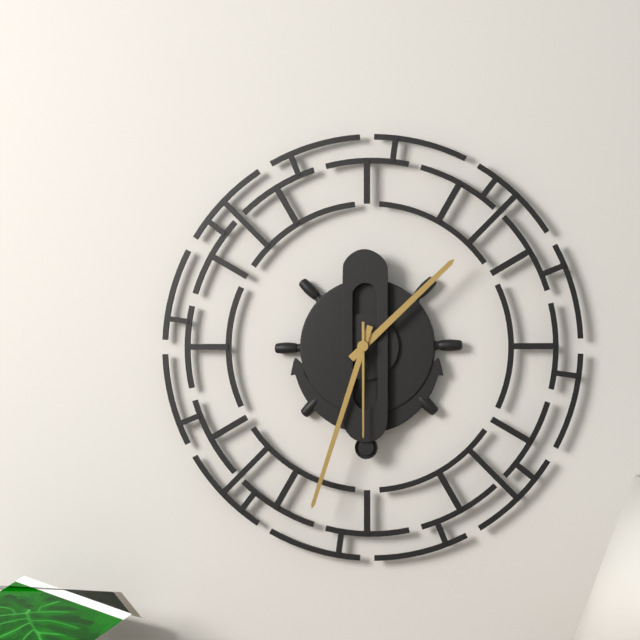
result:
1,33,30
